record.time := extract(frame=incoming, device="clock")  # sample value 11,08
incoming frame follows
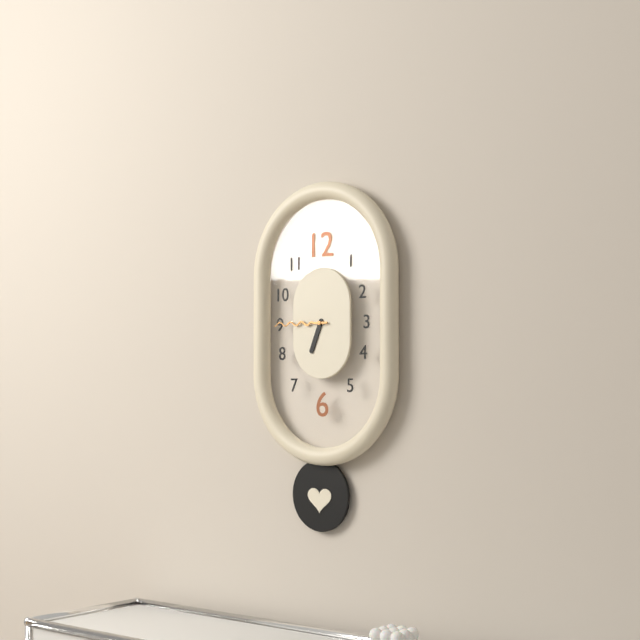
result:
6,45
